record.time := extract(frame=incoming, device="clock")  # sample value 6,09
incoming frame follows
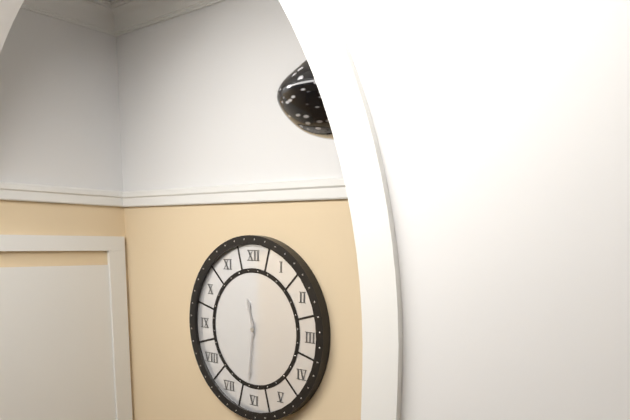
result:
11,31
